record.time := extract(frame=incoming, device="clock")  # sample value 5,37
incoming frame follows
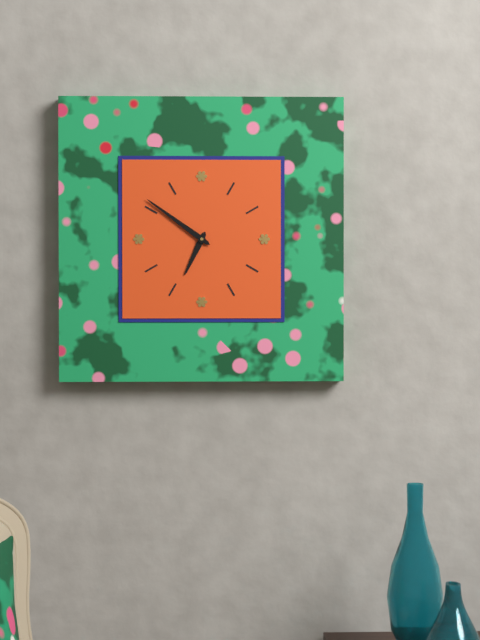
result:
6,51
